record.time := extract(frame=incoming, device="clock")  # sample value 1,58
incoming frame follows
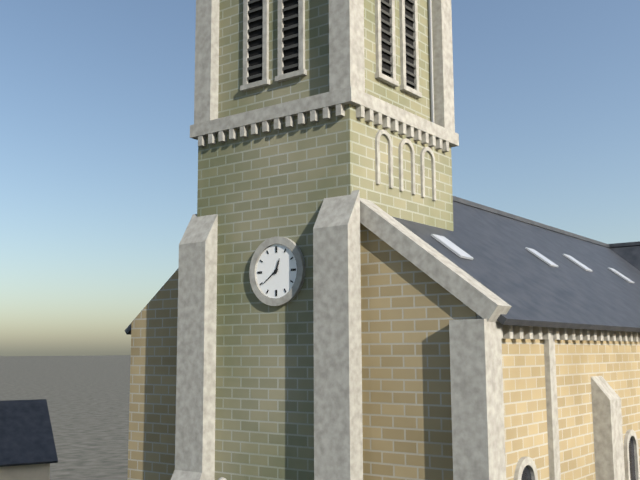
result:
12,39
